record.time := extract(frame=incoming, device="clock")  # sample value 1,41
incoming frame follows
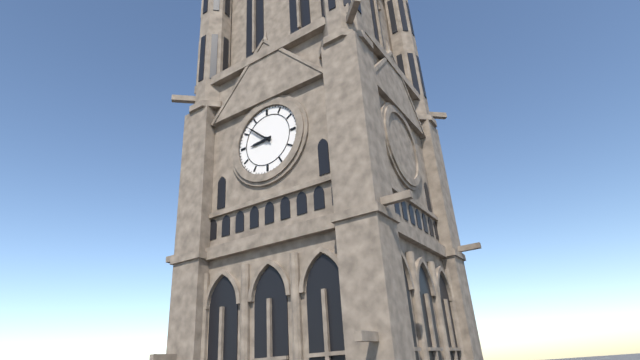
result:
8,52
